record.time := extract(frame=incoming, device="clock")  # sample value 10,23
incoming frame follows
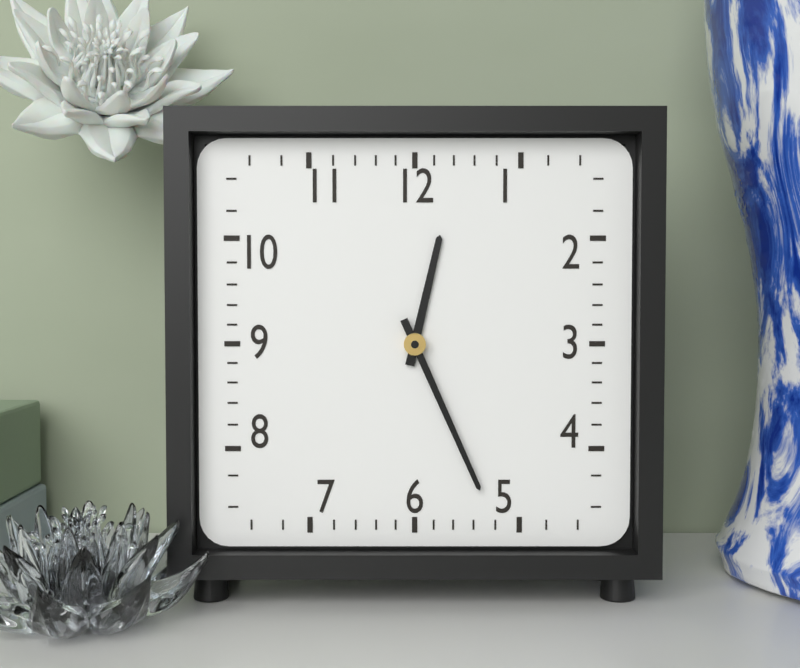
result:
12,26
